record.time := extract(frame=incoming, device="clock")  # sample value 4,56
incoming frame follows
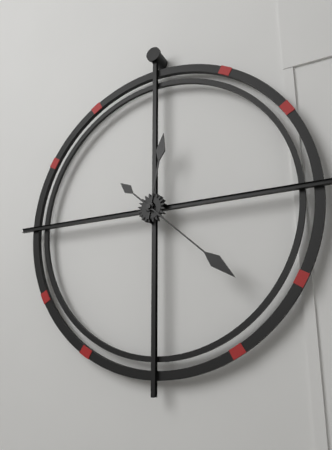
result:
12,22
